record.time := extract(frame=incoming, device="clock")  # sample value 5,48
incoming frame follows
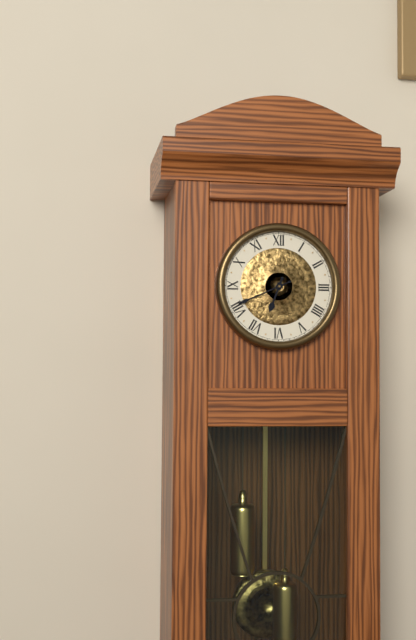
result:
6,41
